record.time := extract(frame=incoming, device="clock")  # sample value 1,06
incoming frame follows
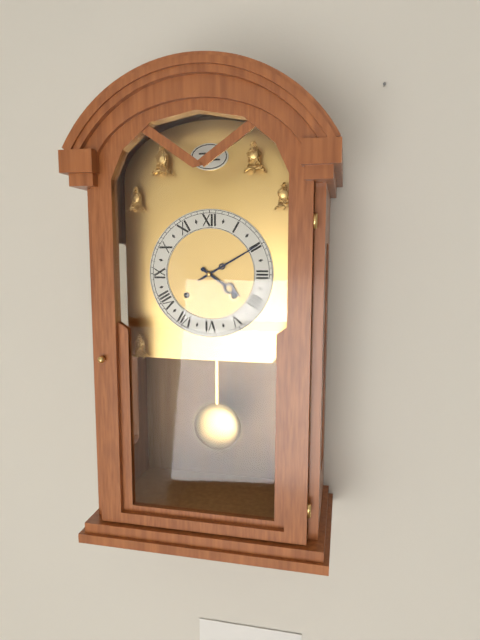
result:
4,10
